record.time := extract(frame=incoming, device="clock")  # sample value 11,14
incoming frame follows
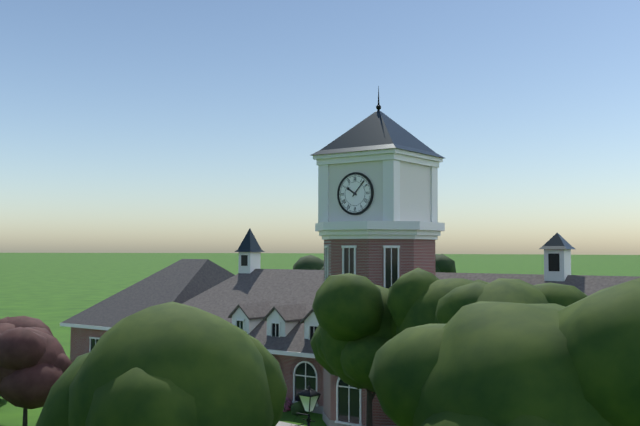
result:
10,07
